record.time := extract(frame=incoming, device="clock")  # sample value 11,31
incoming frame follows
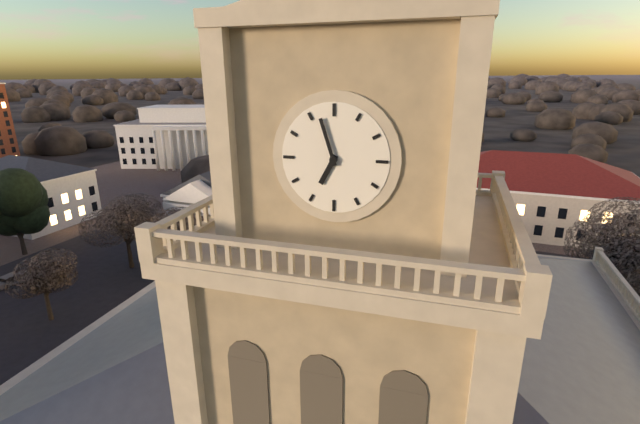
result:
6,57
